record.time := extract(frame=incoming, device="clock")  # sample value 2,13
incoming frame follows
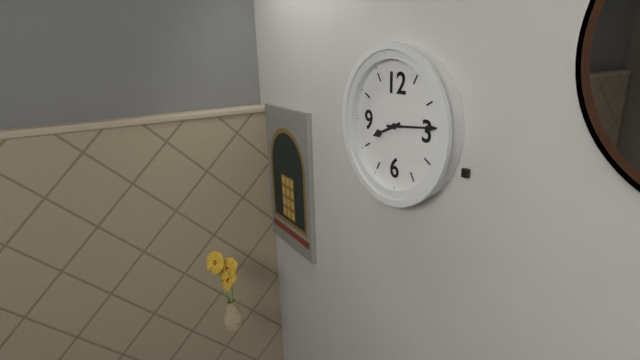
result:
8,14
